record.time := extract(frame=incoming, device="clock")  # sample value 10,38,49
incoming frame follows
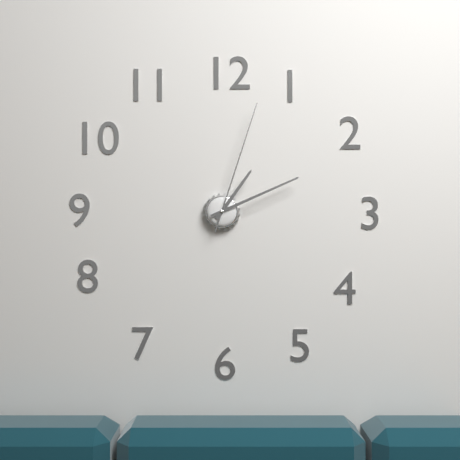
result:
1,11,03
